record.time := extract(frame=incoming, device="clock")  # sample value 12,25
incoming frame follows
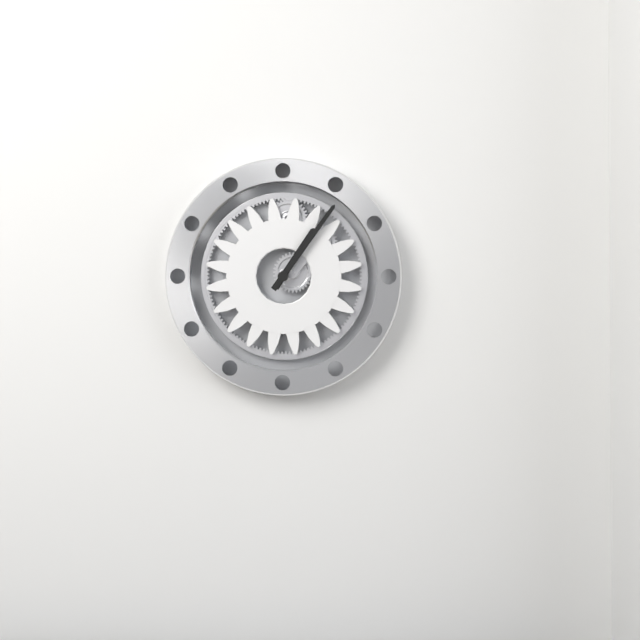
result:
1,06
